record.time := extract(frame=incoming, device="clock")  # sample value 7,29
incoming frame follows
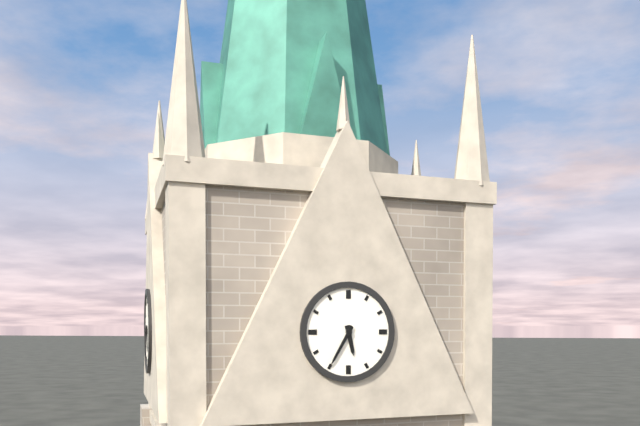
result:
5,35
